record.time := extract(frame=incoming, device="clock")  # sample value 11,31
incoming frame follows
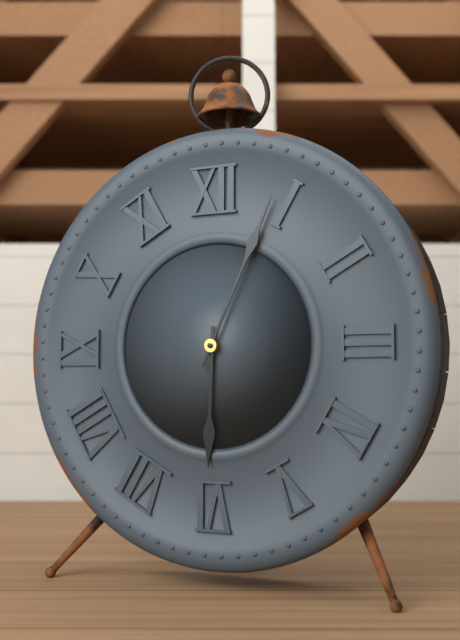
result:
6,04
